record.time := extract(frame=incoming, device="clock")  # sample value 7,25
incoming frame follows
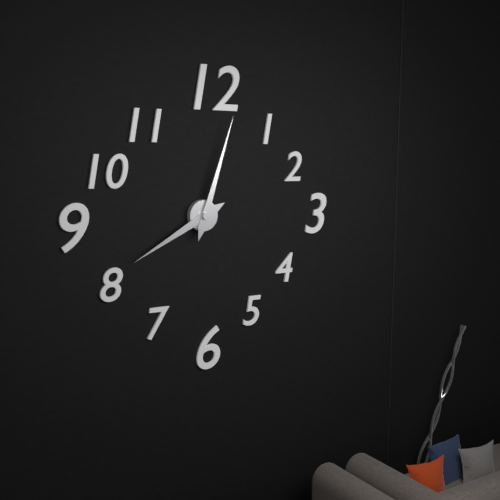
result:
8,03
